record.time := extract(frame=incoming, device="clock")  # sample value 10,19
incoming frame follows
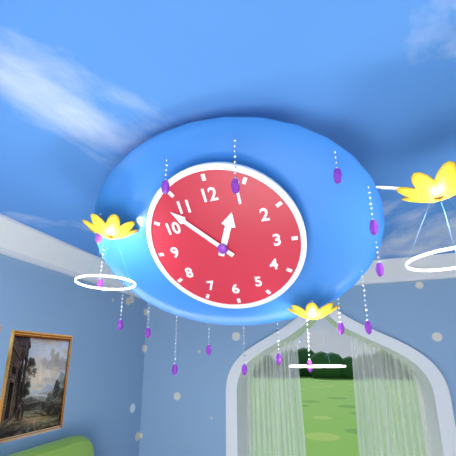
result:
12,53
